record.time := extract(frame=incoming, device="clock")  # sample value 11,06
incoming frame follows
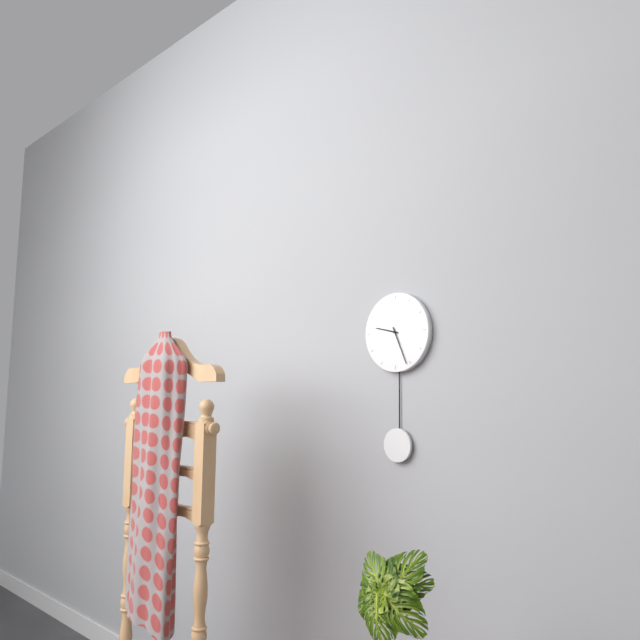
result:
9,26
